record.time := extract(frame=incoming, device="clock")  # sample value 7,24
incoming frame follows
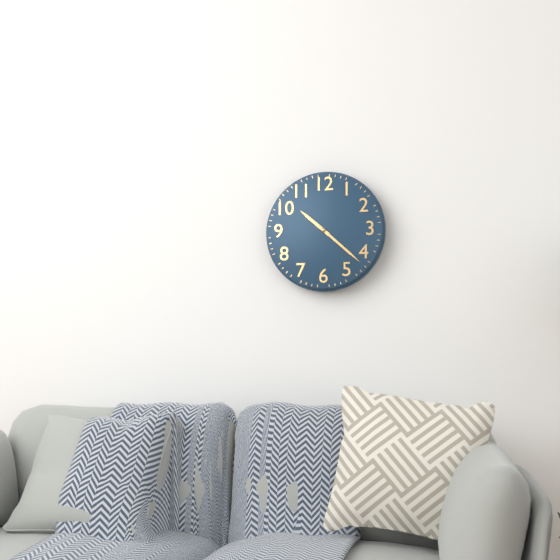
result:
10,22
